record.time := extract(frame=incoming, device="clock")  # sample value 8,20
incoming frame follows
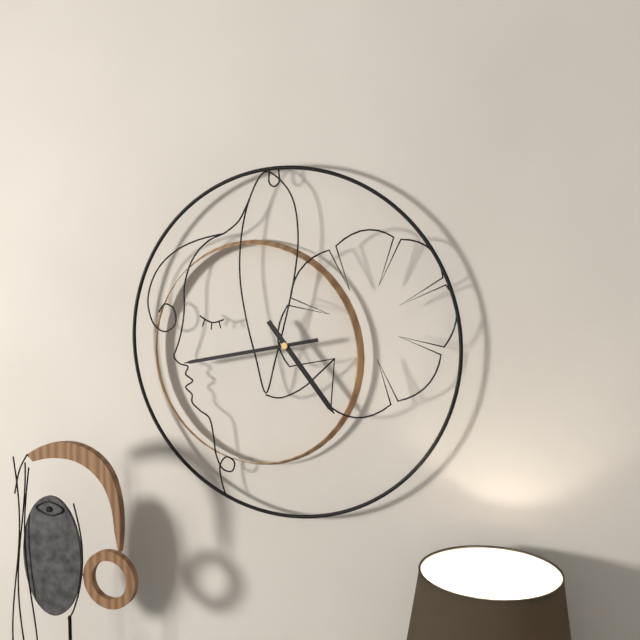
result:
4,43
